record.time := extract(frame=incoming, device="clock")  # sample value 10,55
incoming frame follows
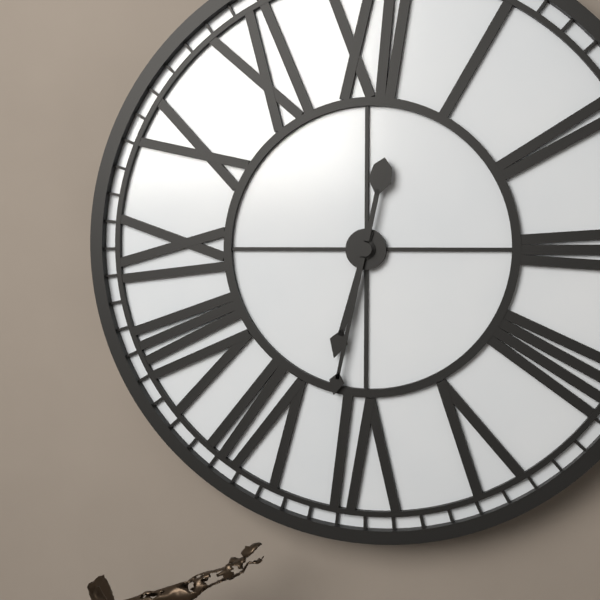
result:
6,32
